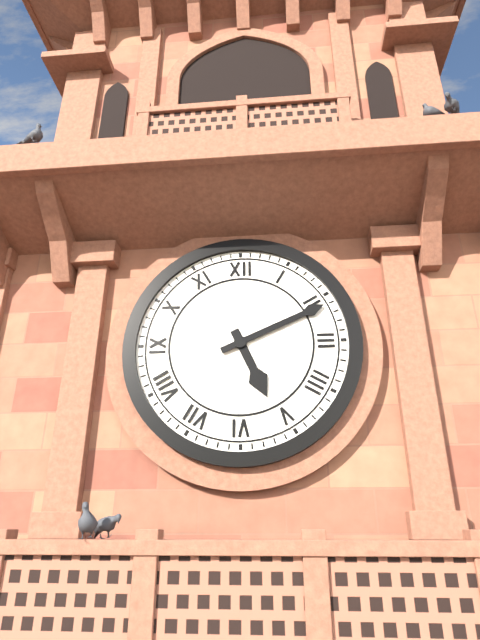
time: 5:11
